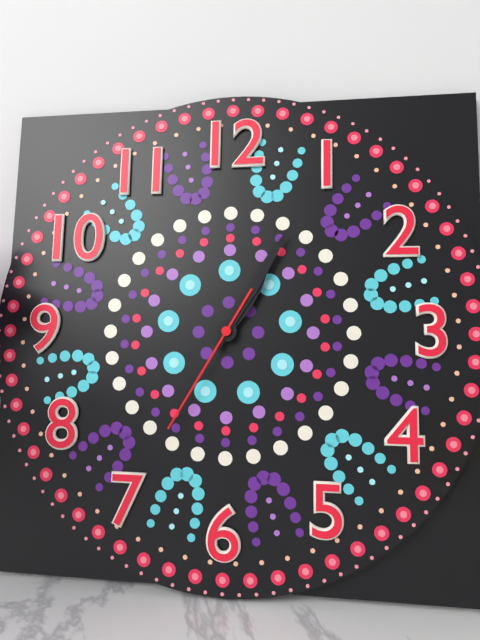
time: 1:05:35
